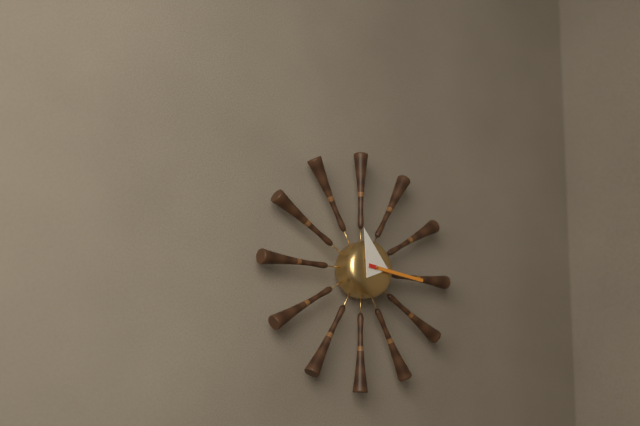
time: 11:16
